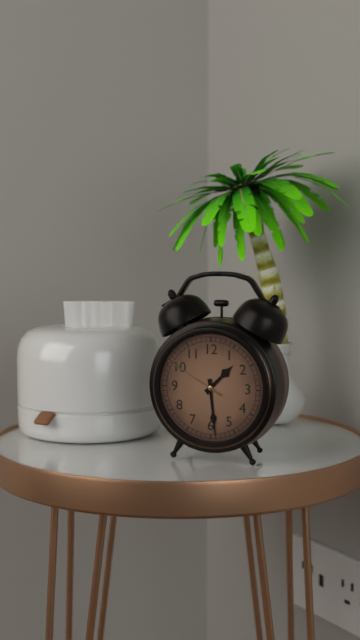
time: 1:29:50
